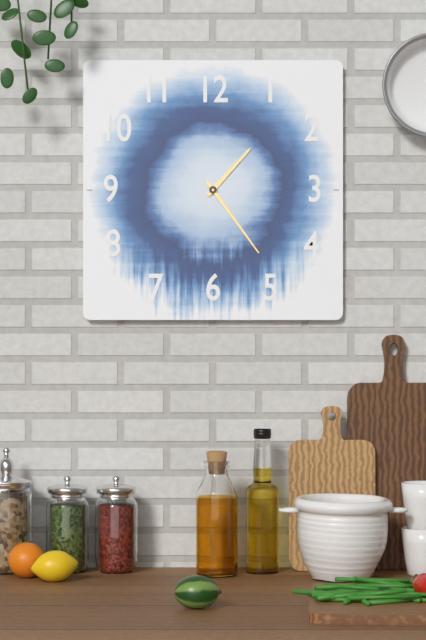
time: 1:24
